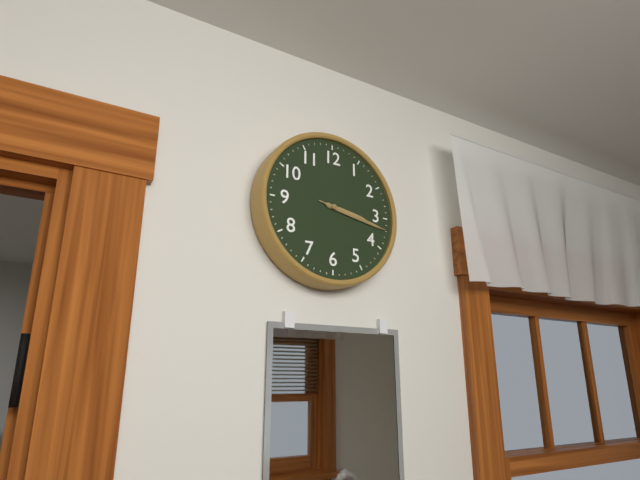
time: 3:17:17
